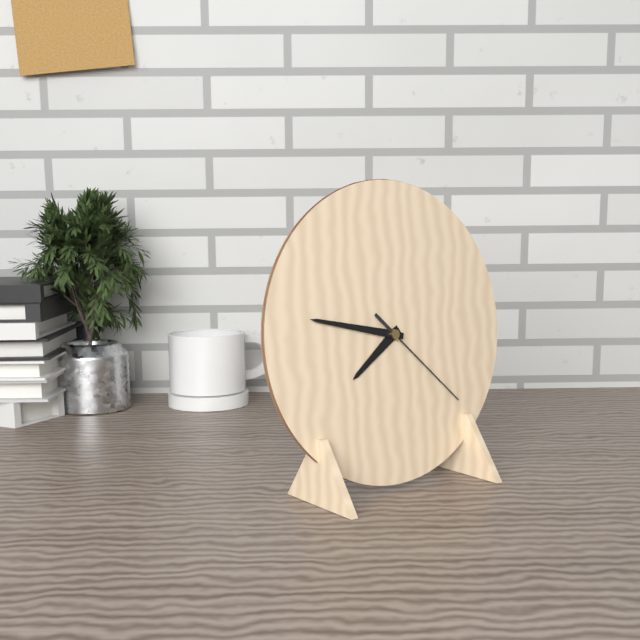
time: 7:47:22
